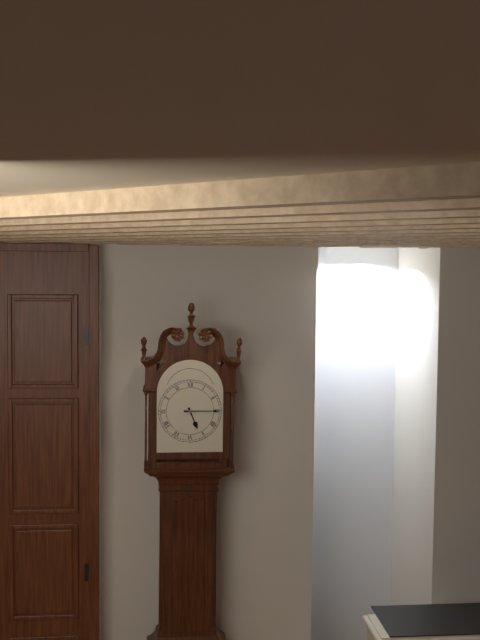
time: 5:15
